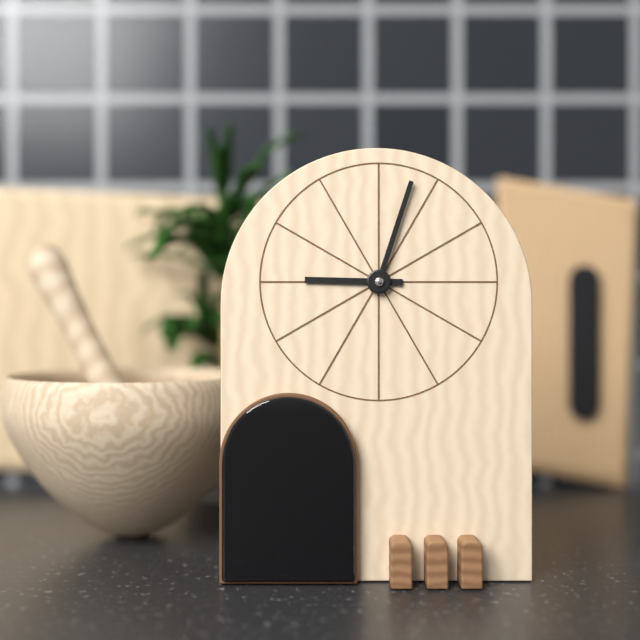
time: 9:03
